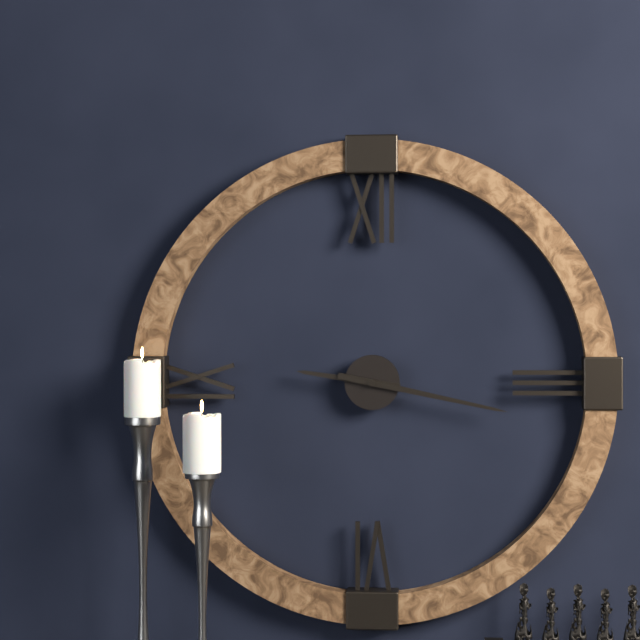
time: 9:17
